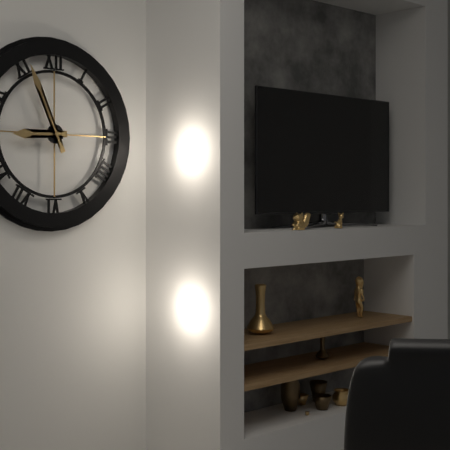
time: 8:56
